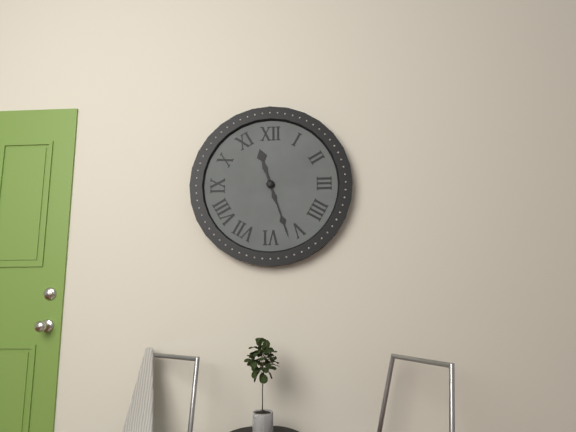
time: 11:27
